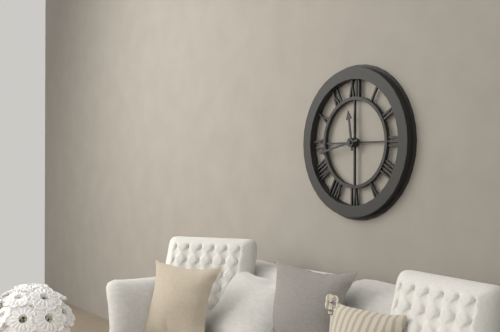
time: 11:43
